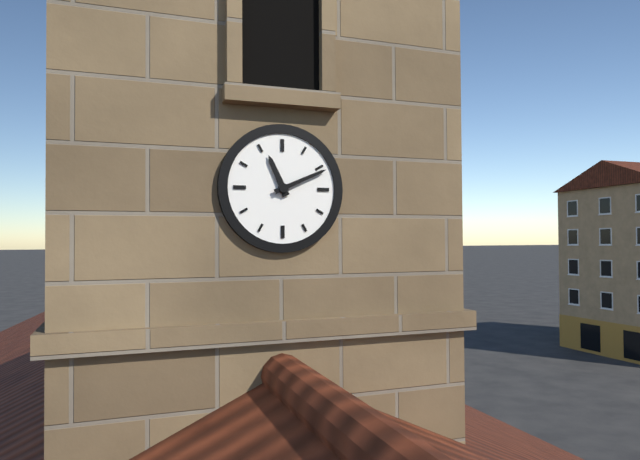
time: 11:11
